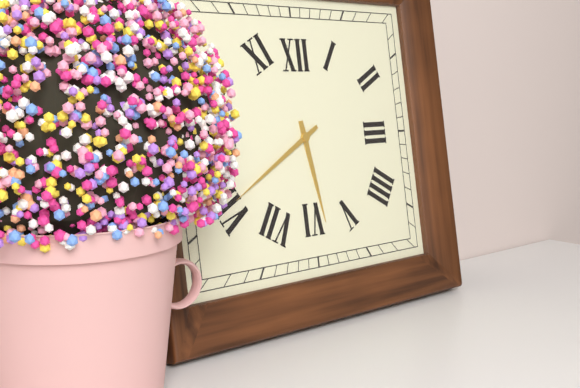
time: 5:40
